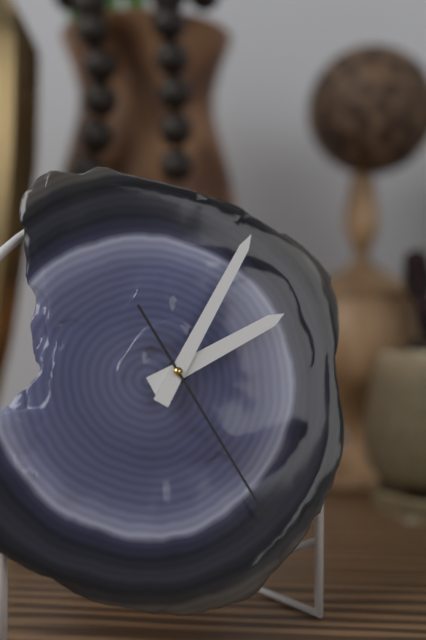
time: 2:05:25
